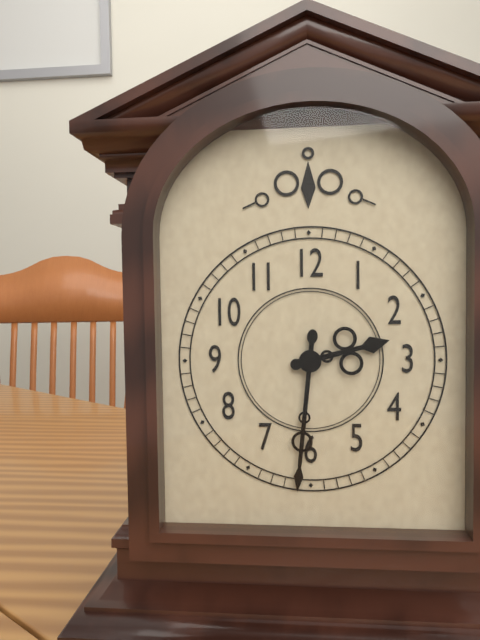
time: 2:31
